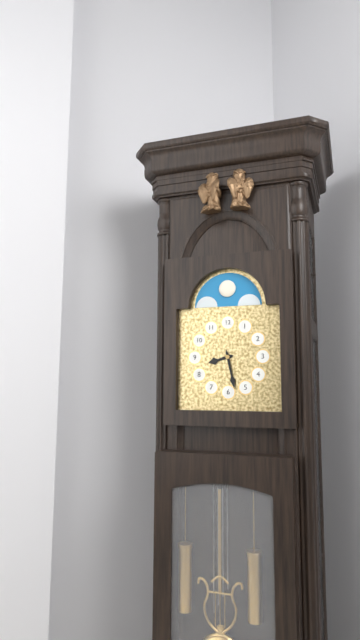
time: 8:28
